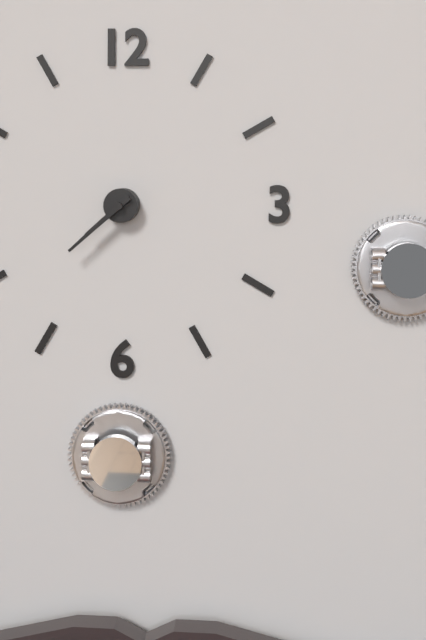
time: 7:38
